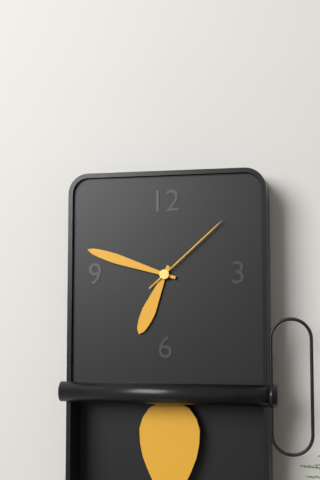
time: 6:48:08
